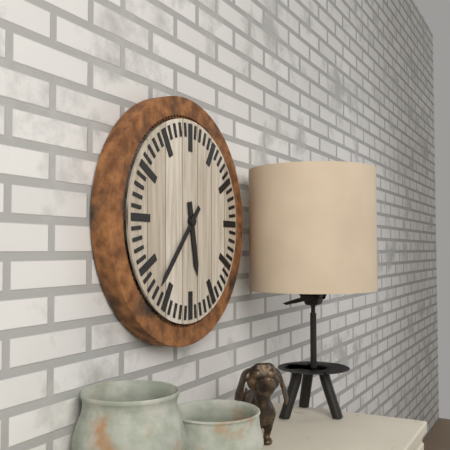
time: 5:37
